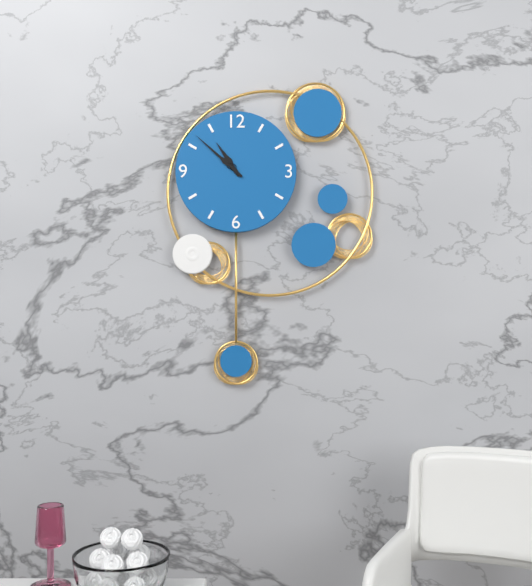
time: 10:52
